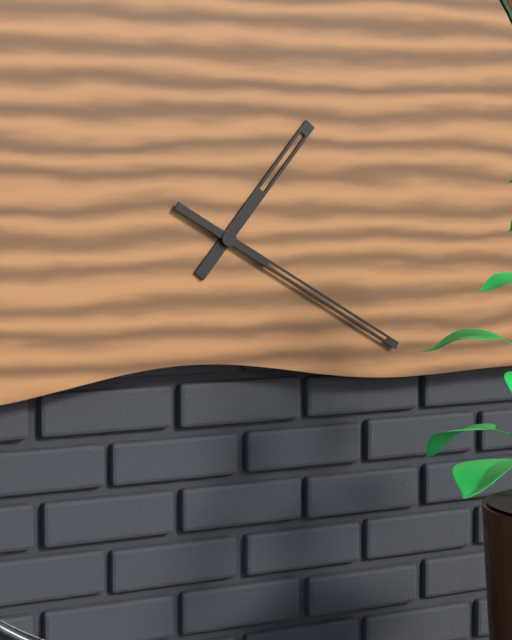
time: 1:20
